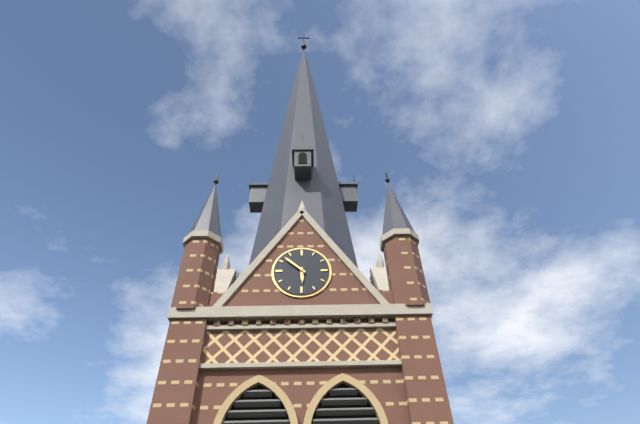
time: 5:52
